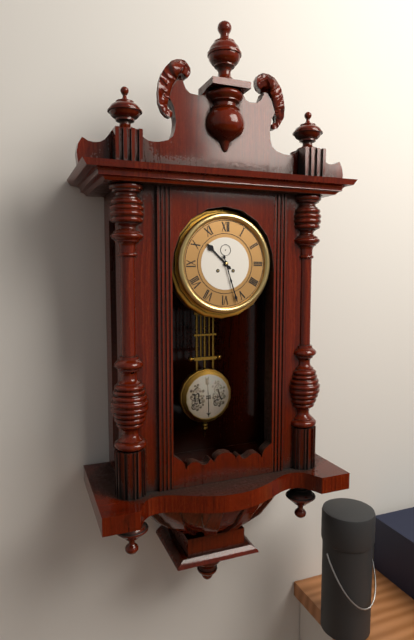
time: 10:27
